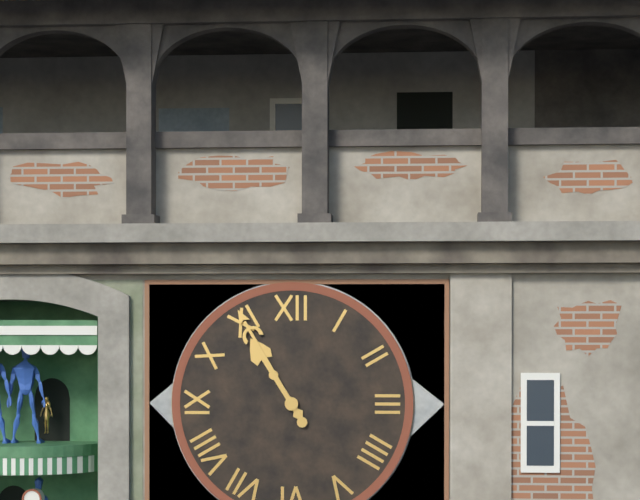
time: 10:55
